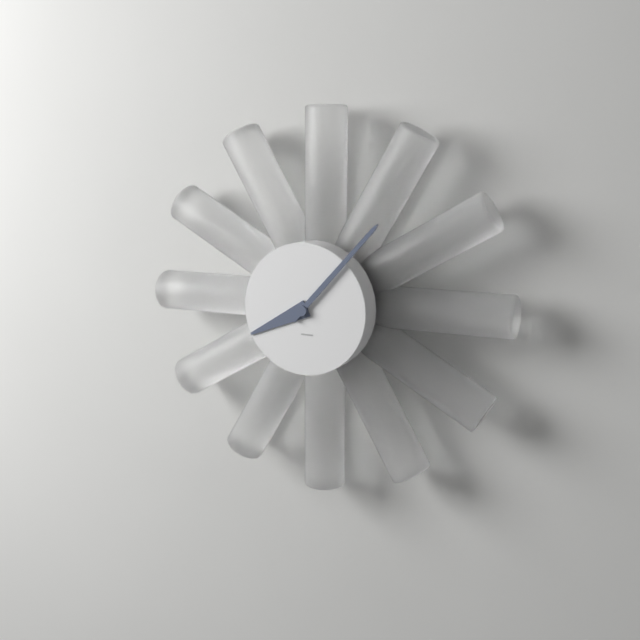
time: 8:07
